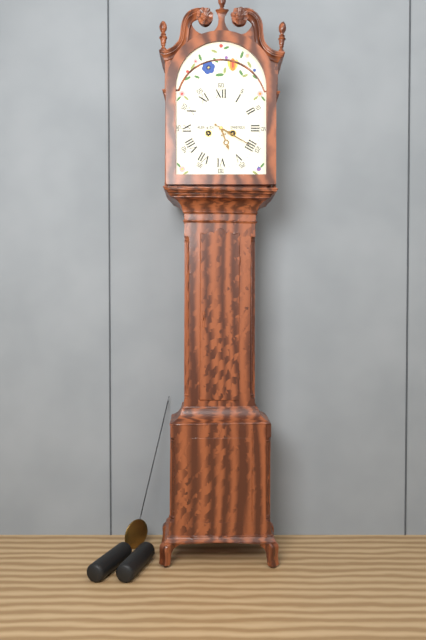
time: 5:20
